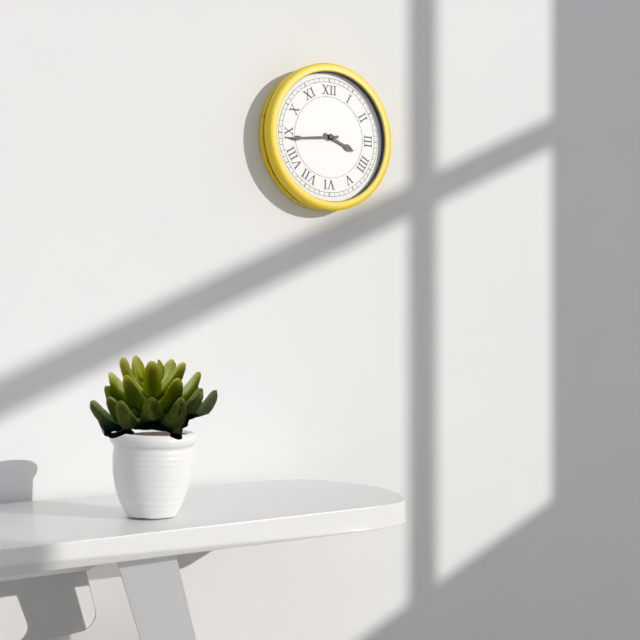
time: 3:44
